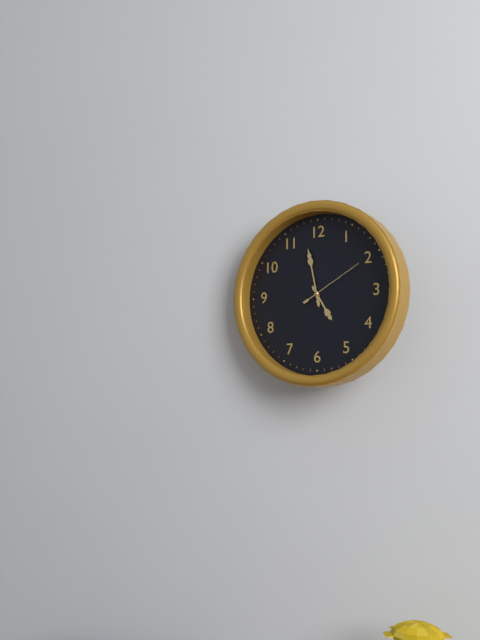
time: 4:58:10
